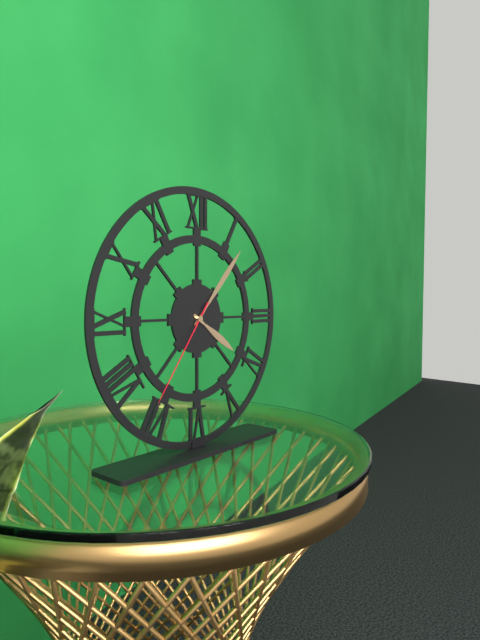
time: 4:07:36
